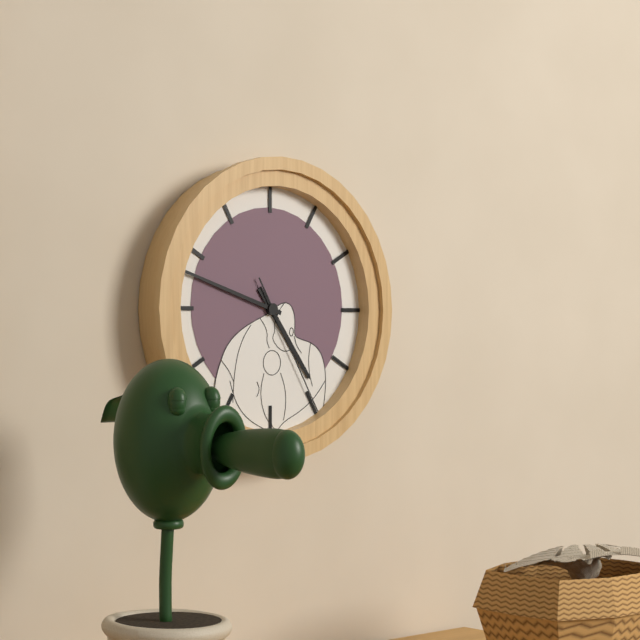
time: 4:48:25
